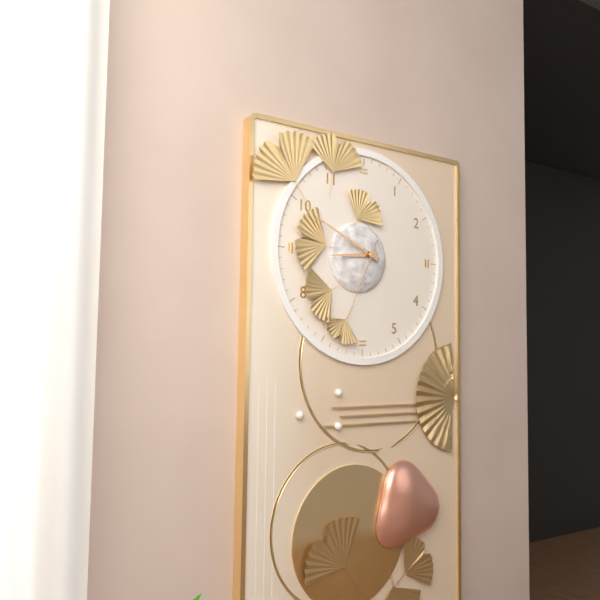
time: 8:49:34
